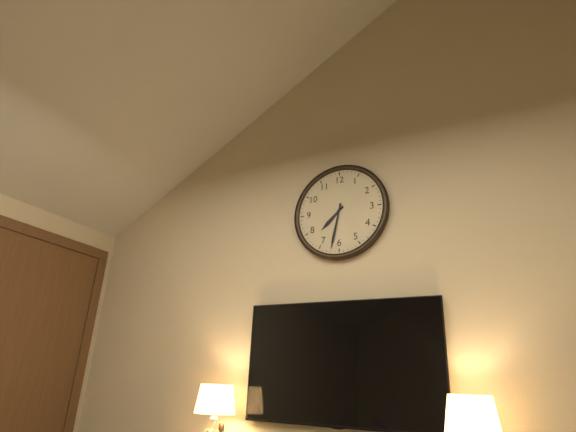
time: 7:32
